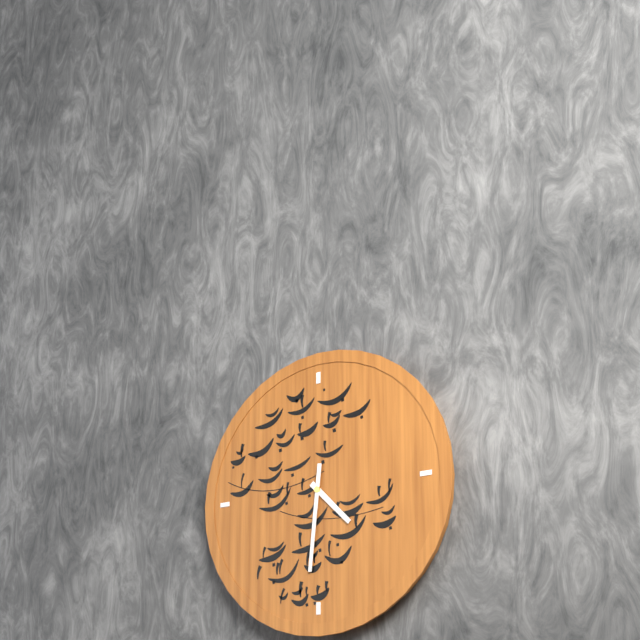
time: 4:31
